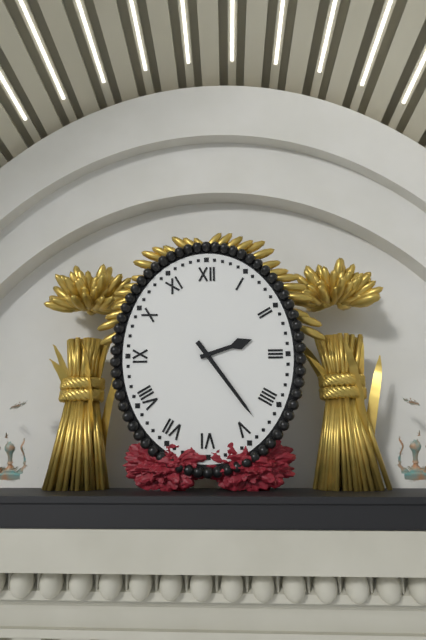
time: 2:24
